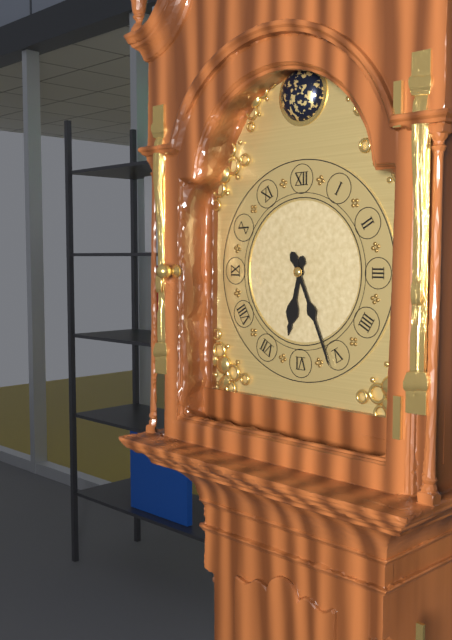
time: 6:26
